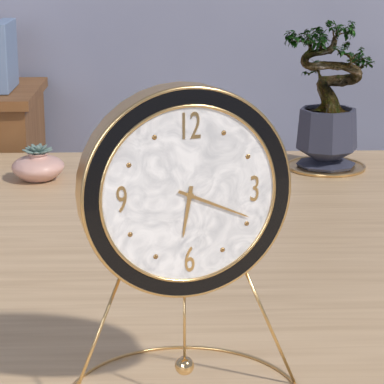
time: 6:19
